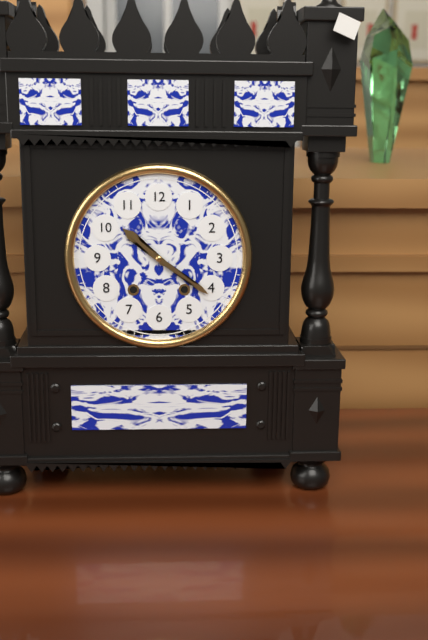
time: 10:21
